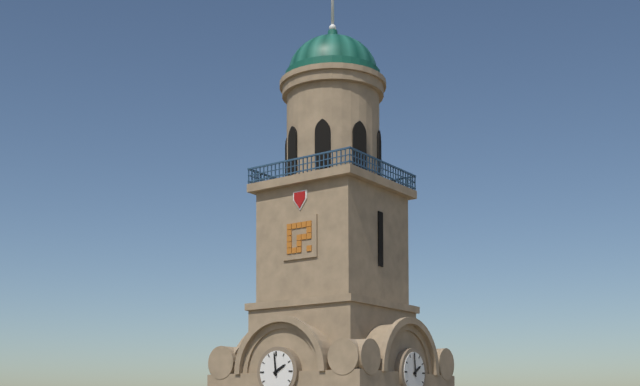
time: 1:59
